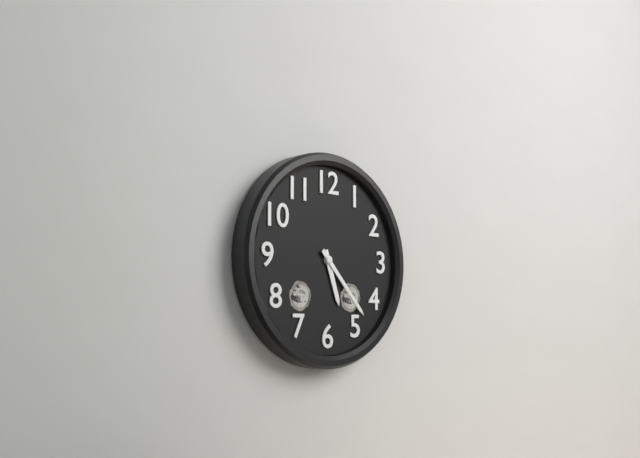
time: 5:23
